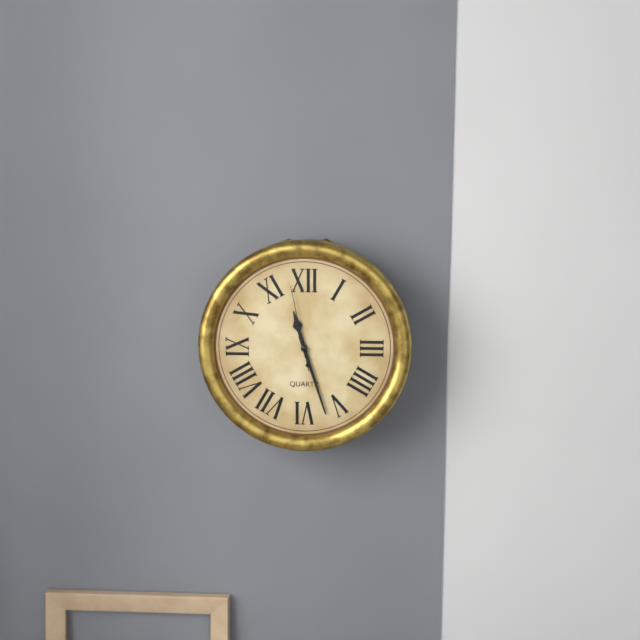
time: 11:27:58
